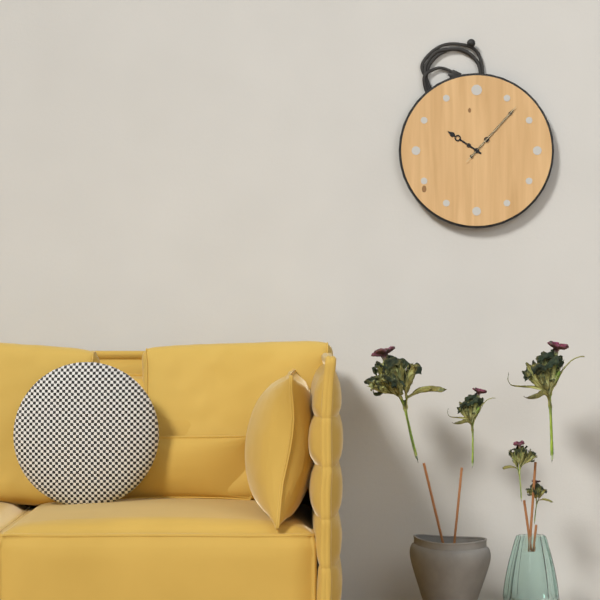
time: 10:07:07
